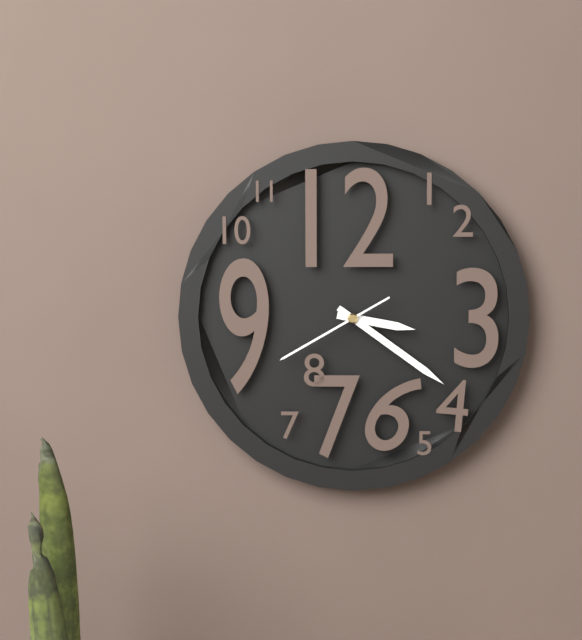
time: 3:21:40
